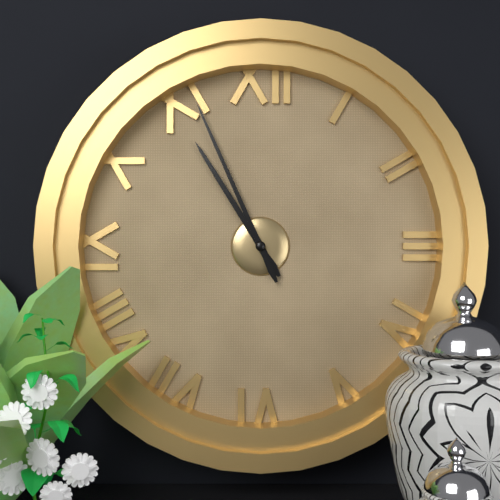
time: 10:56
